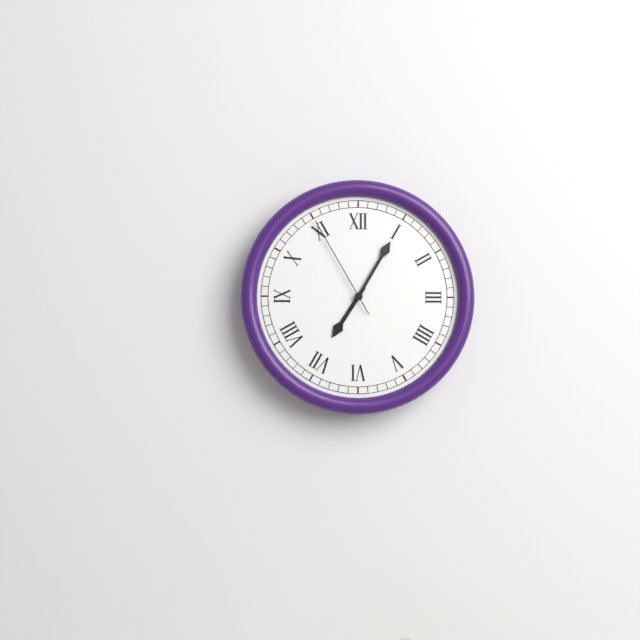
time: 7:05:55
